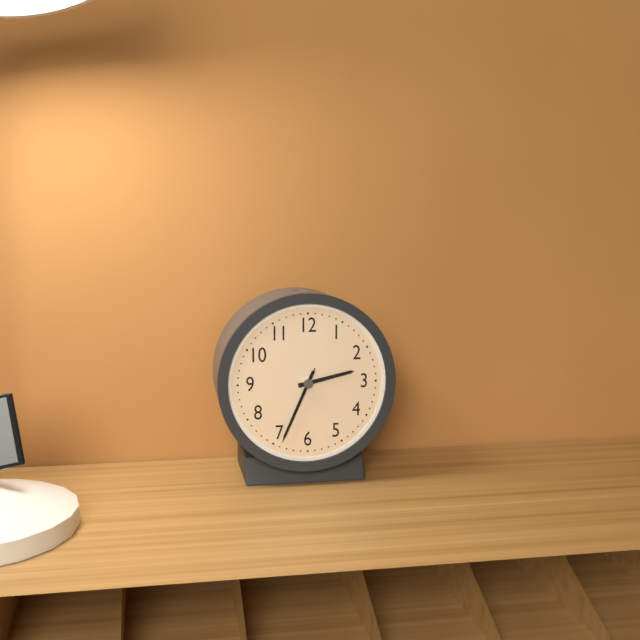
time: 2:34:34
